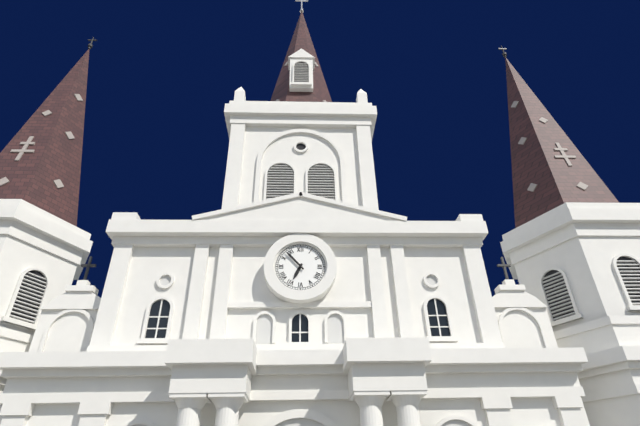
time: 6:53
